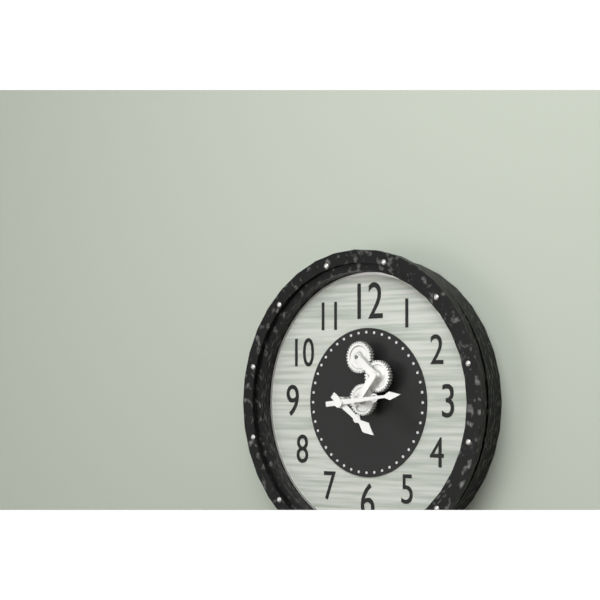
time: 4:14
